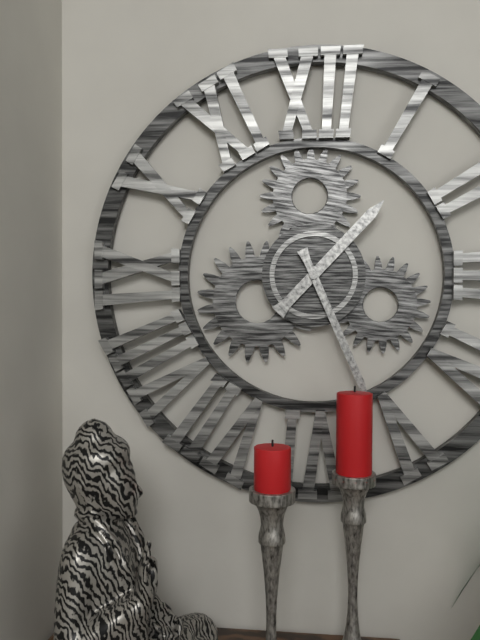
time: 1:26
